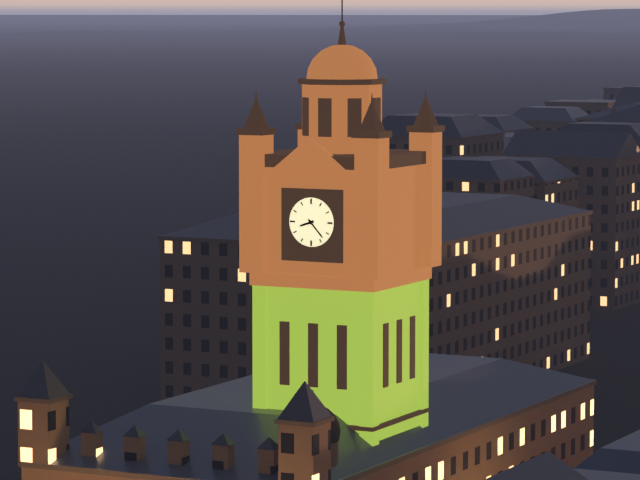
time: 8:23
